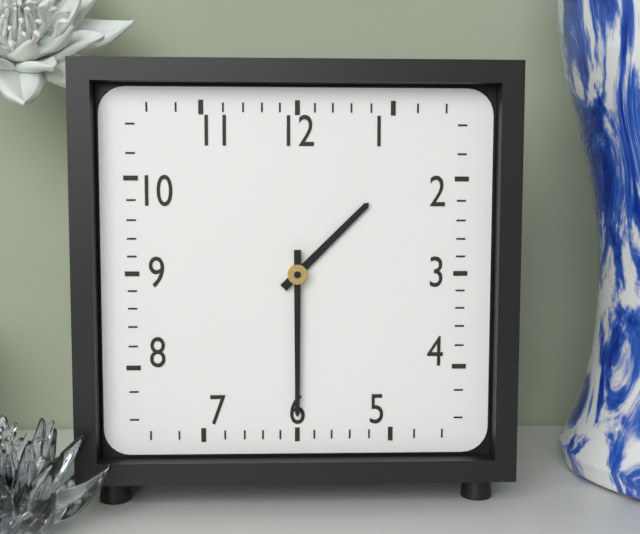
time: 1:30
